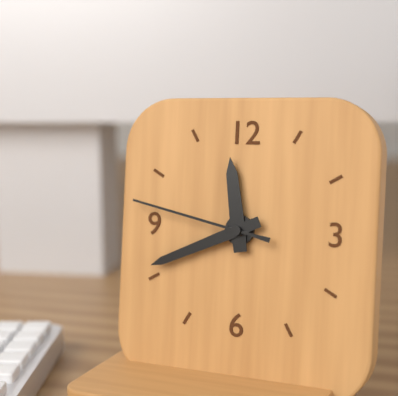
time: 11:41:47
